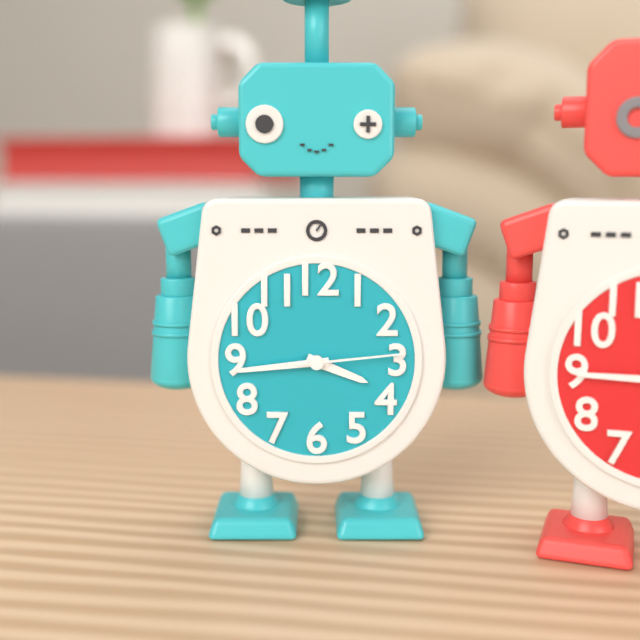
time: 3:44:14
